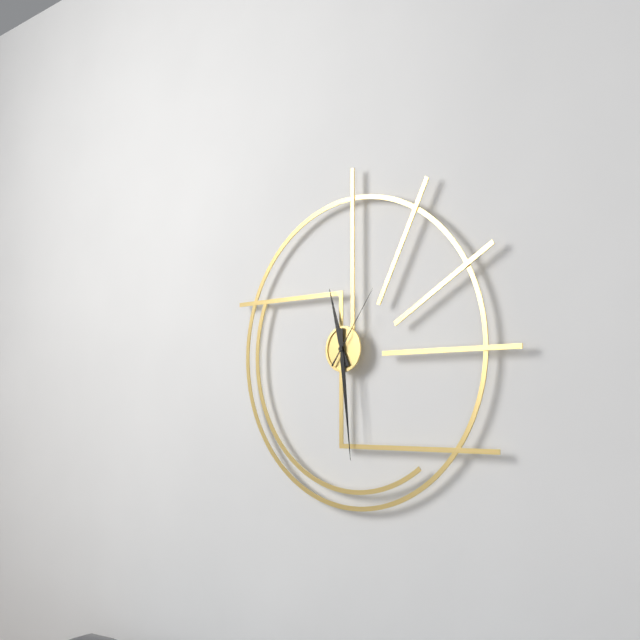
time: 11:29:06
